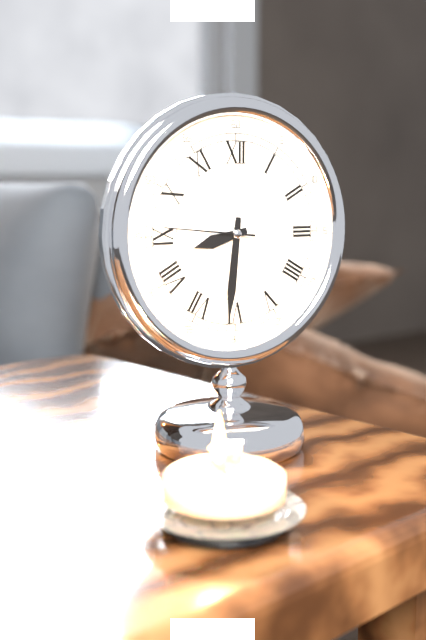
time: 8:31:46
